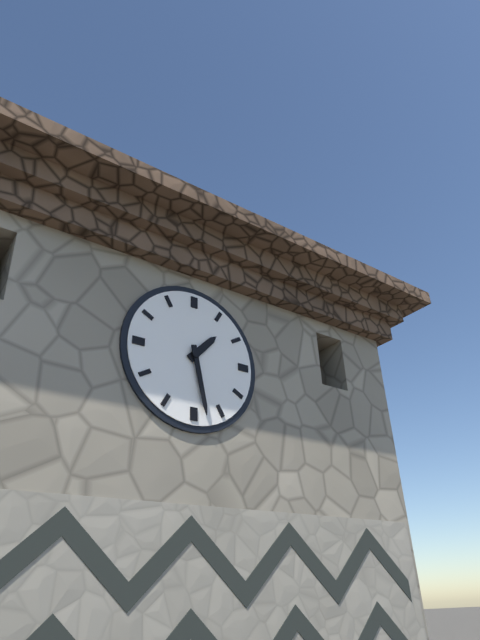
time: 1:28
